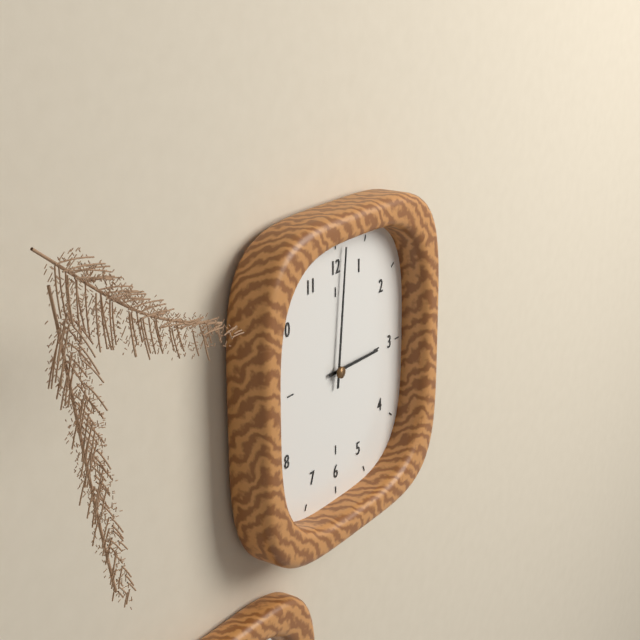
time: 3:01
